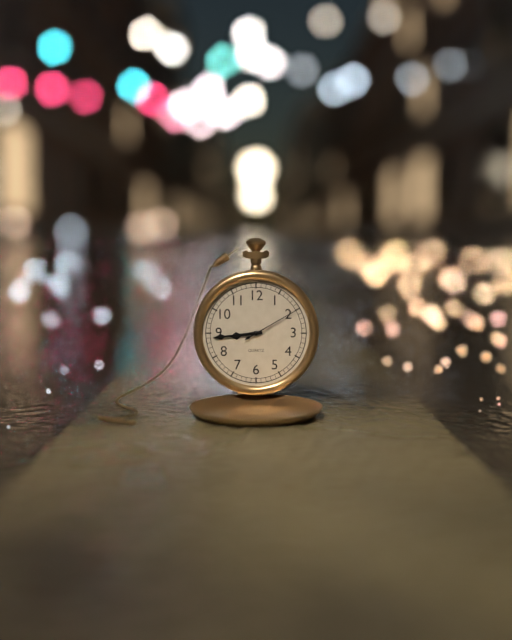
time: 8:44:10
